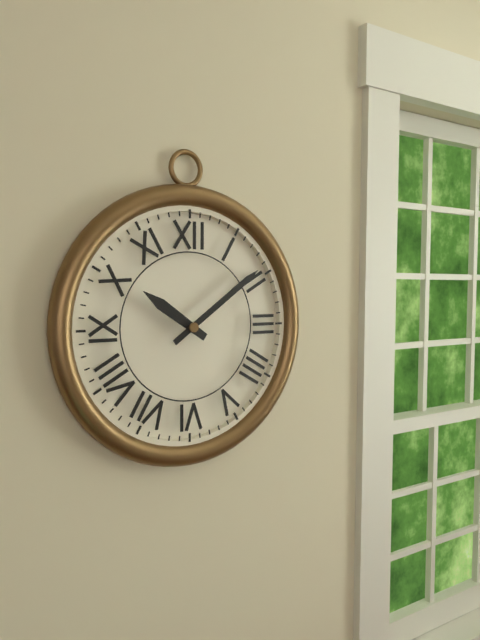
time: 10:09
